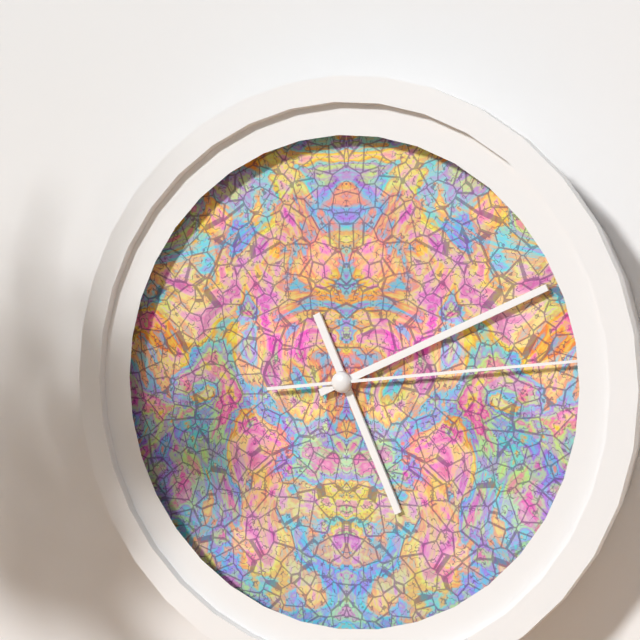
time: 5:11:14
